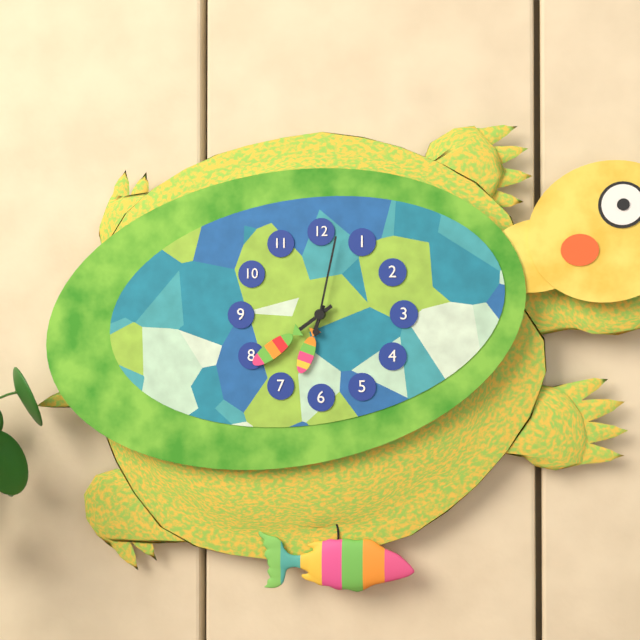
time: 6:39:02
